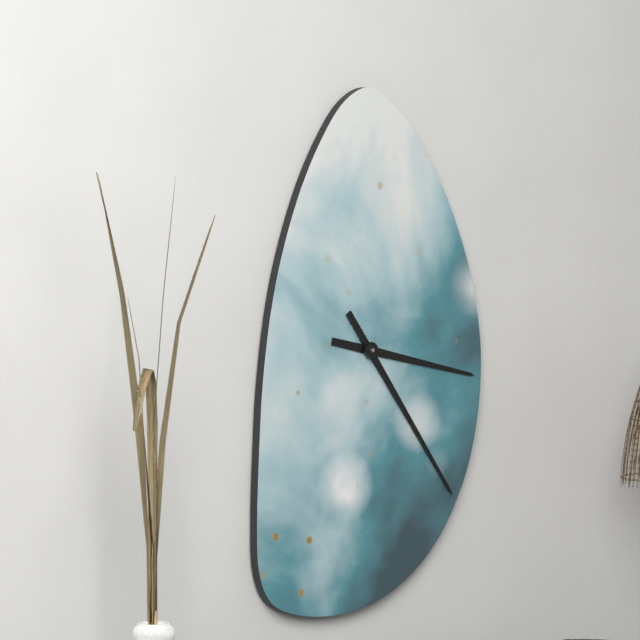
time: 3:24
